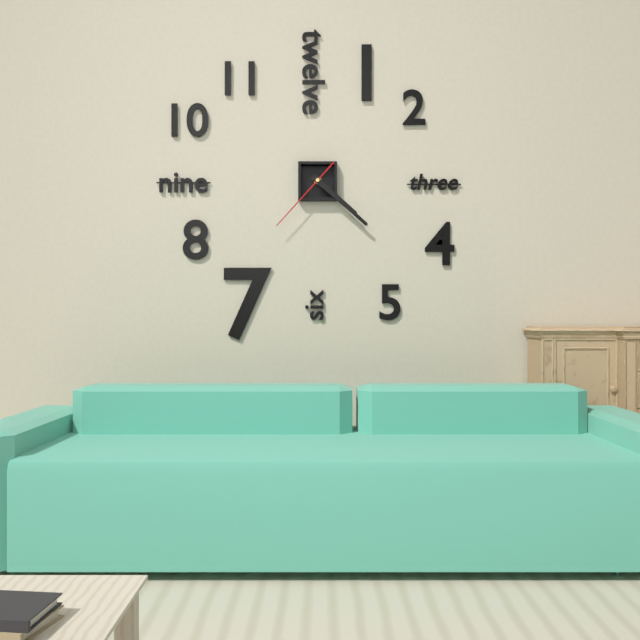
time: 4:22:37
